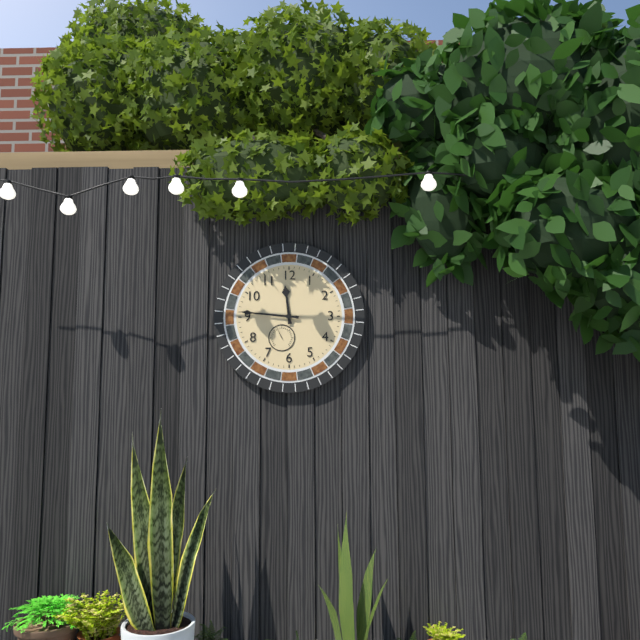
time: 11:46
